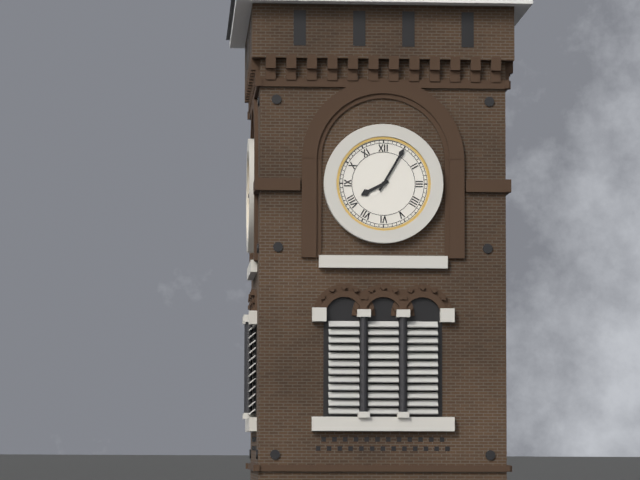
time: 8:05
